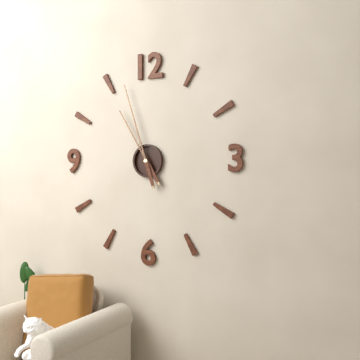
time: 10:57
